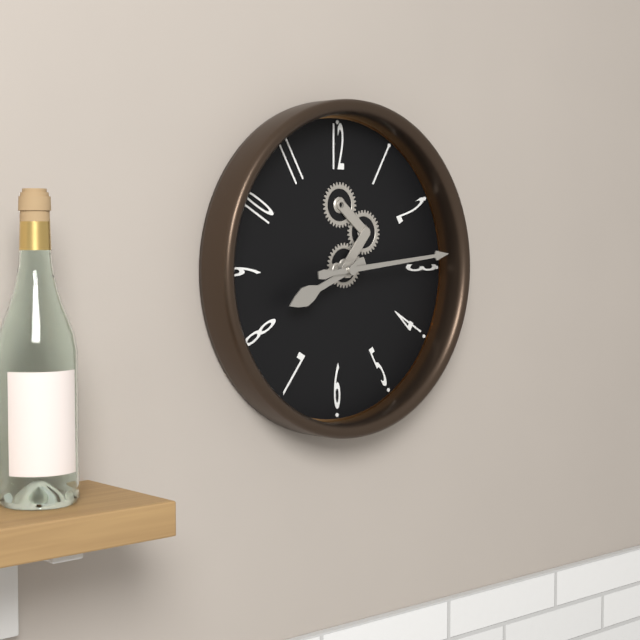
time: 8:14
